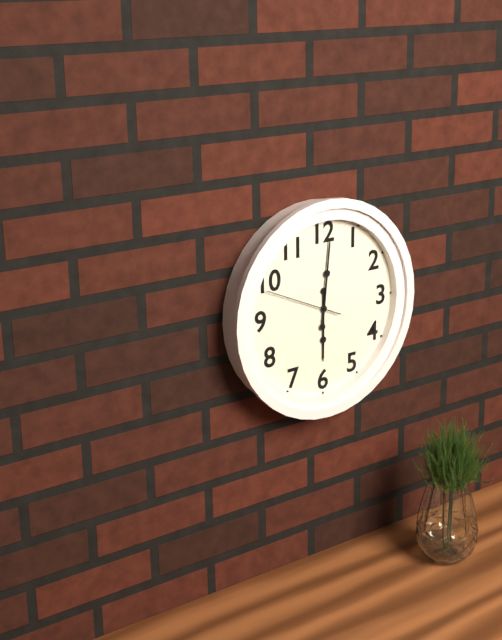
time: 6:01:49
